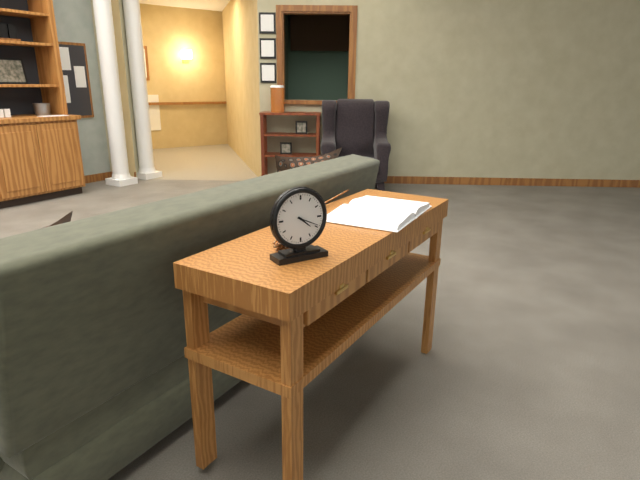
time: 4:19
